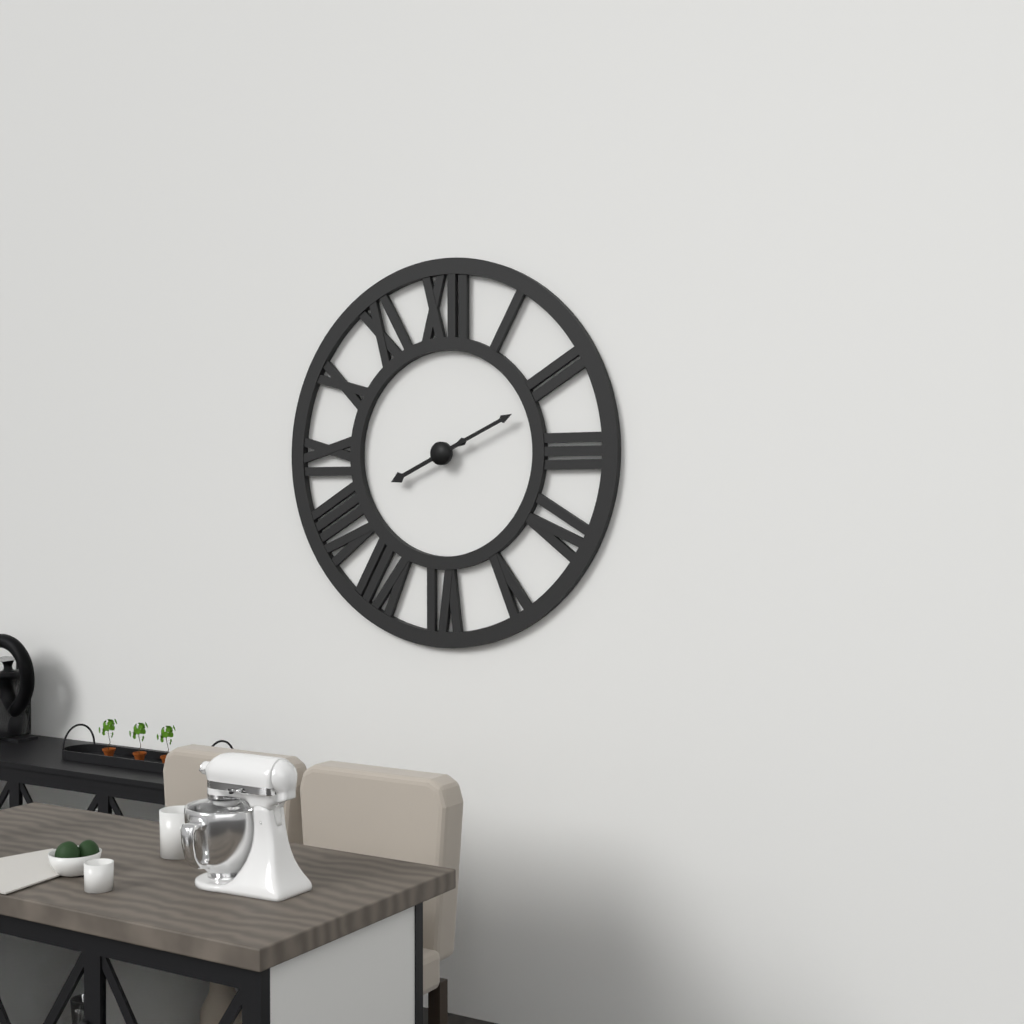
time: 8:11
